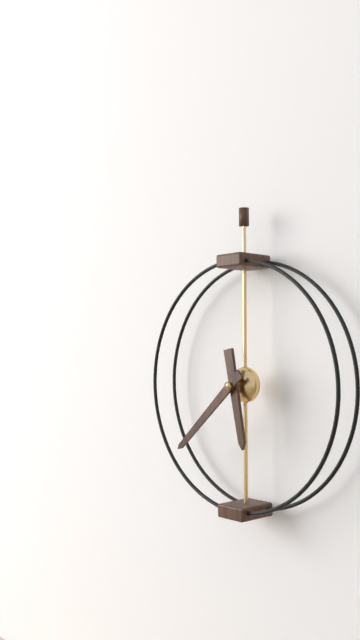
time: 5:38
